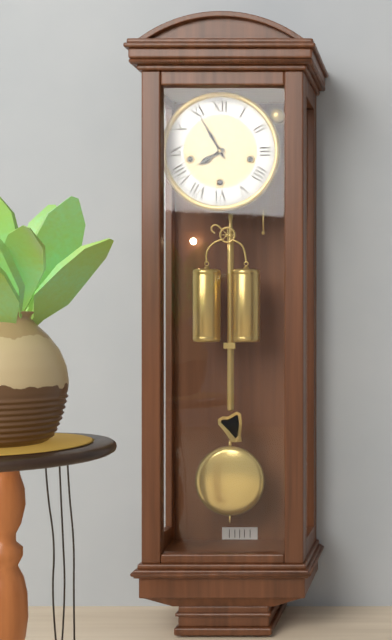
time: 7:55
